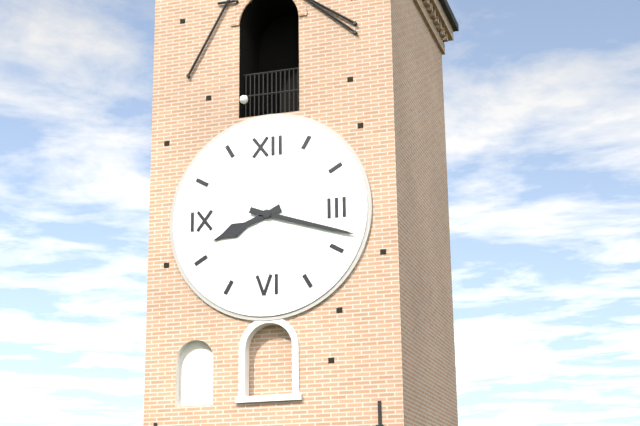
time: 8:18
